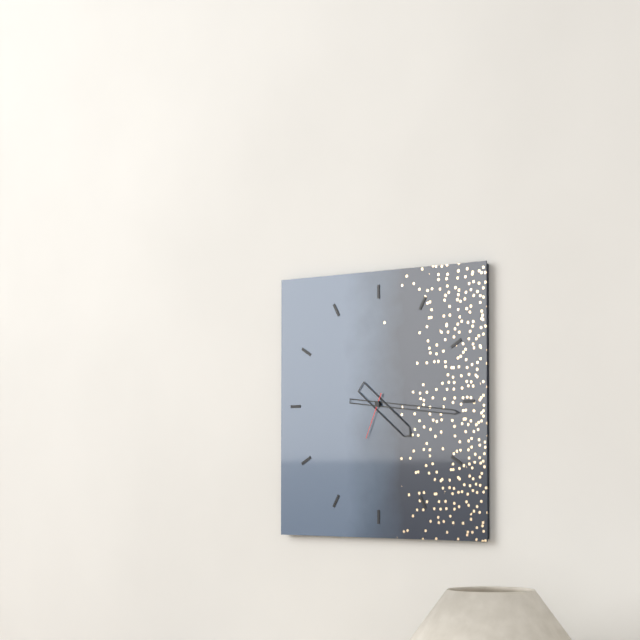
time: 4:16
